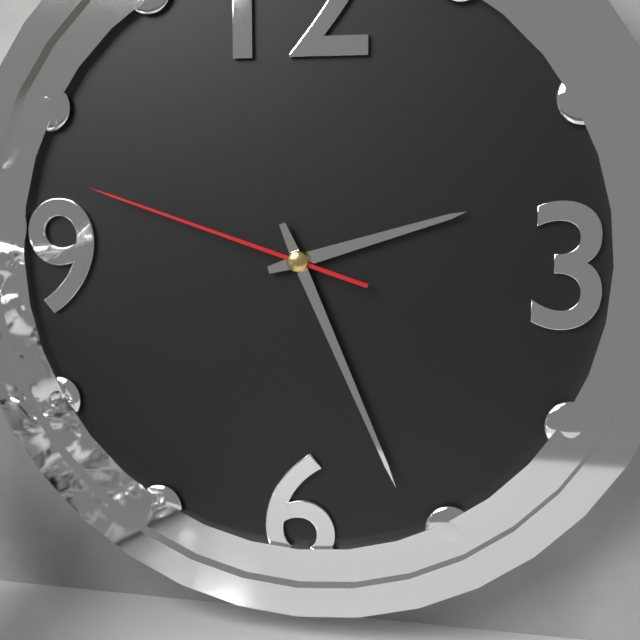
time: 2:26:48
